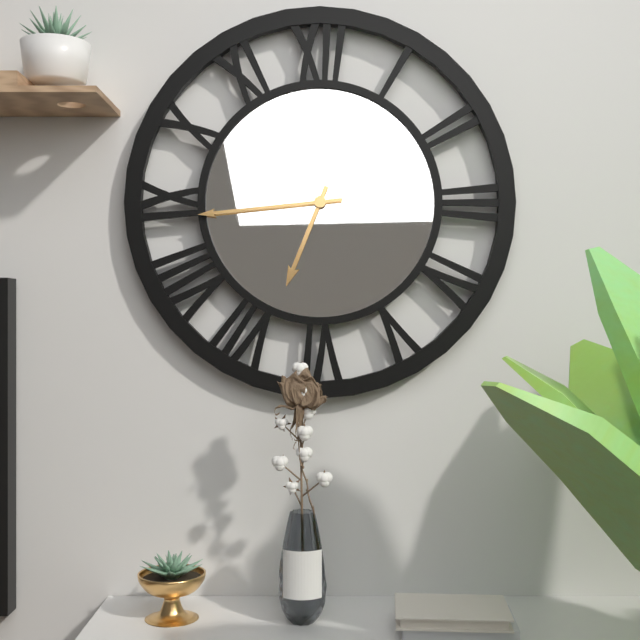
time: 6:44
